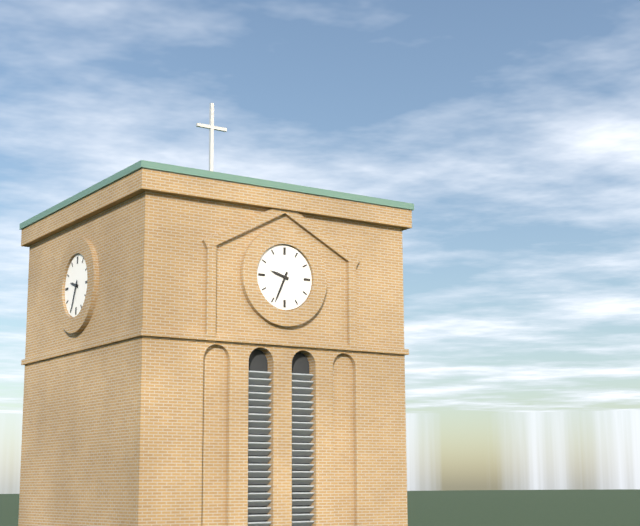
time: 9:34
